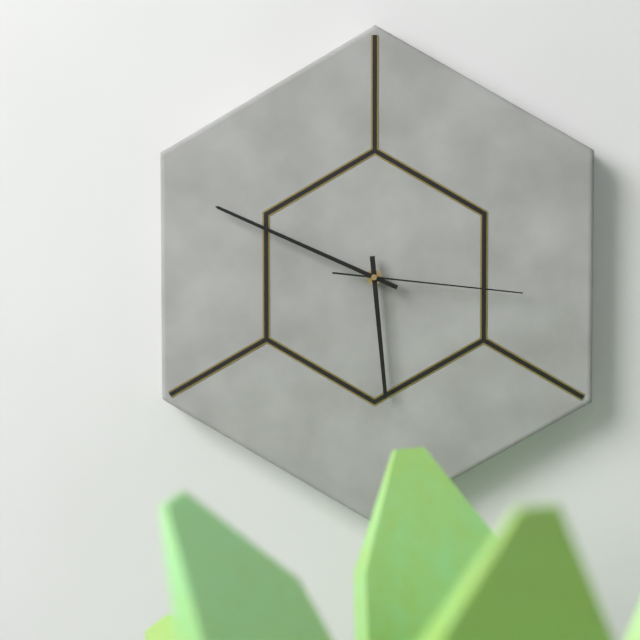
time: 5:49:16
